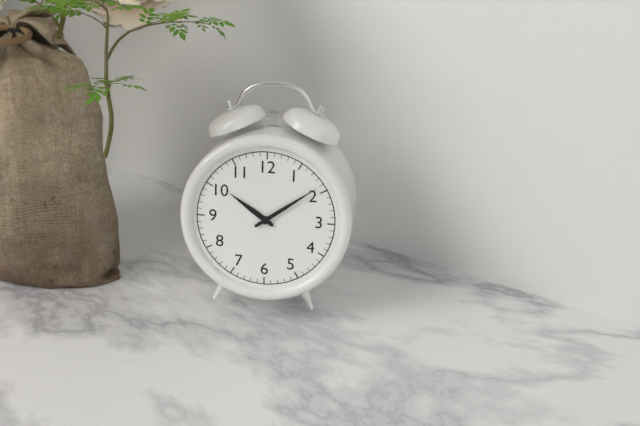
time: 10:09
